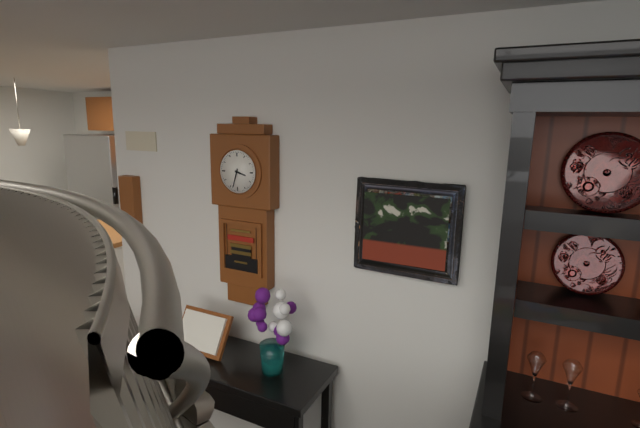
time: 3:33
